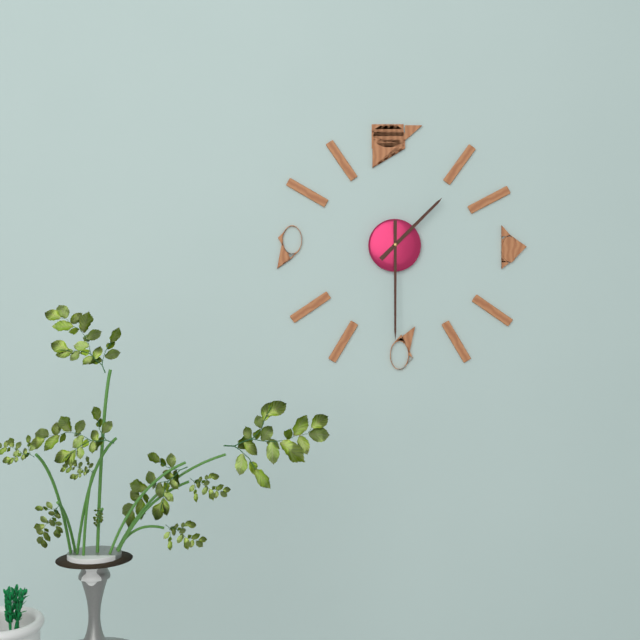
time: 1:30
